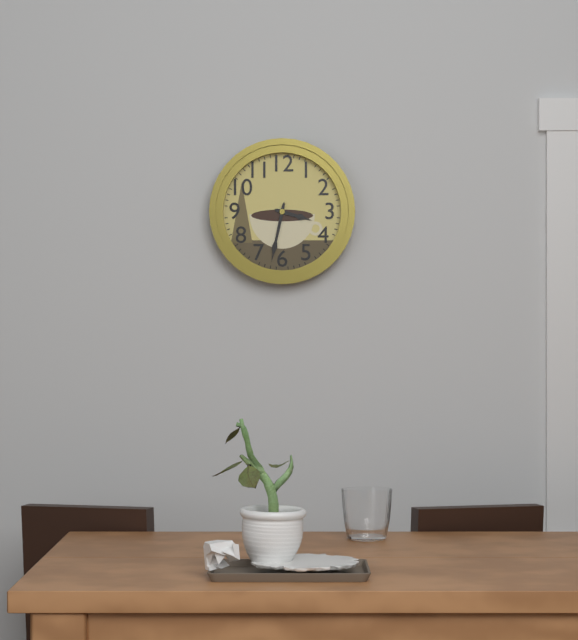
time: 3:32
